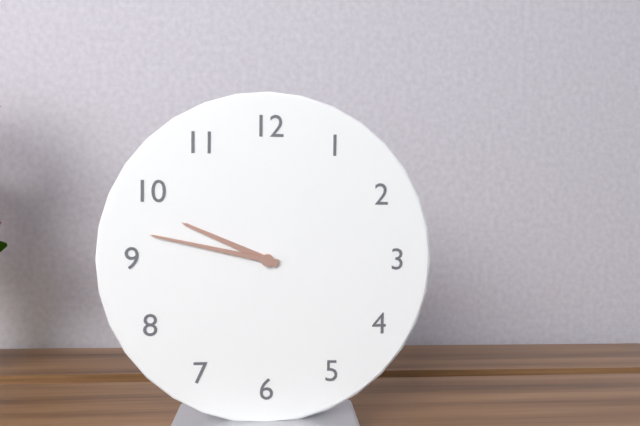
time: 9:47
